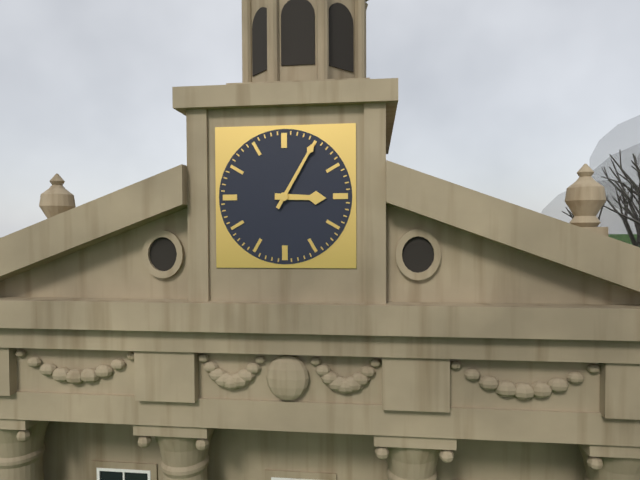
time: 3:05
